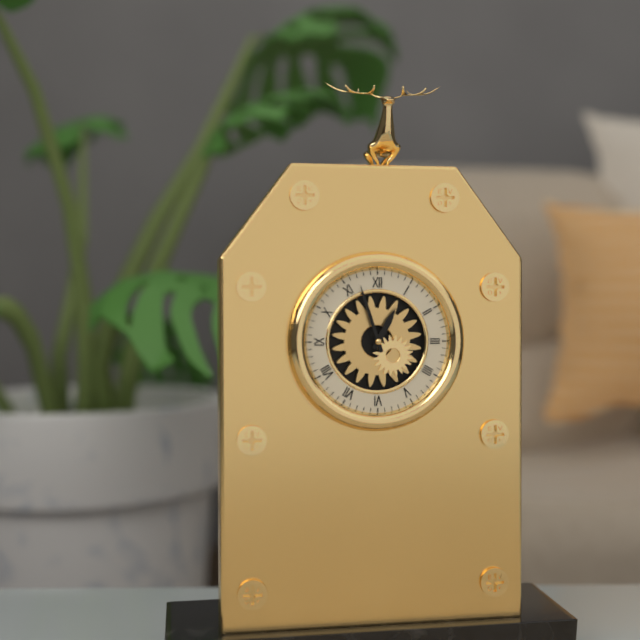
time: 12:57
